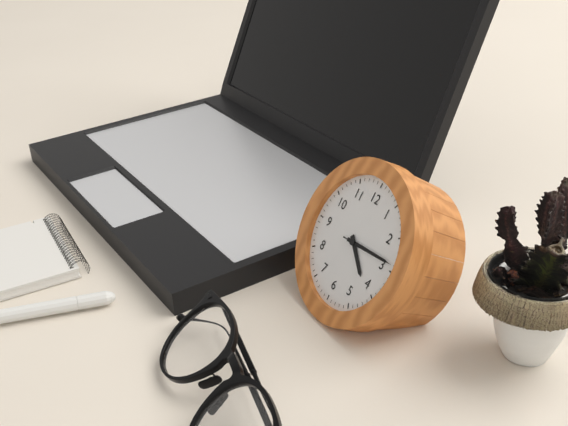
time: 4:14:14
